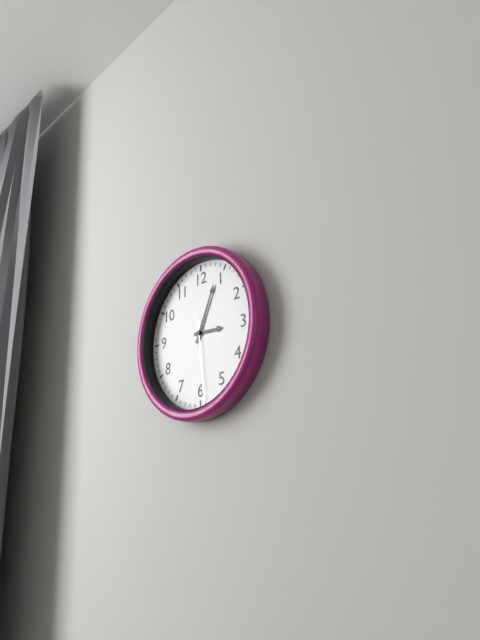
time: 3:04:29
